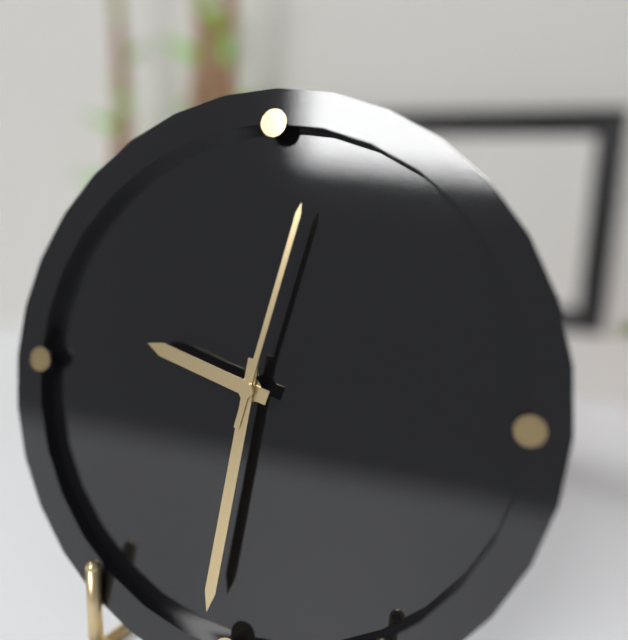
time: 9:31:02
